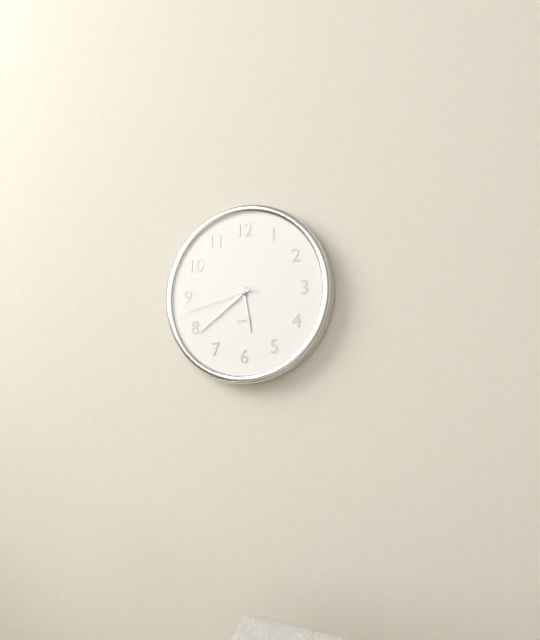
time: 5:39:43
